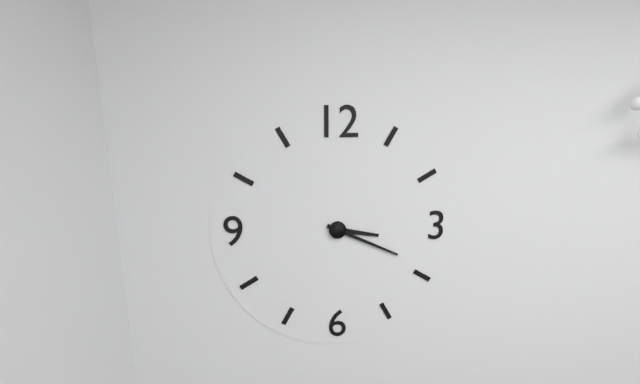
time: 3:19
